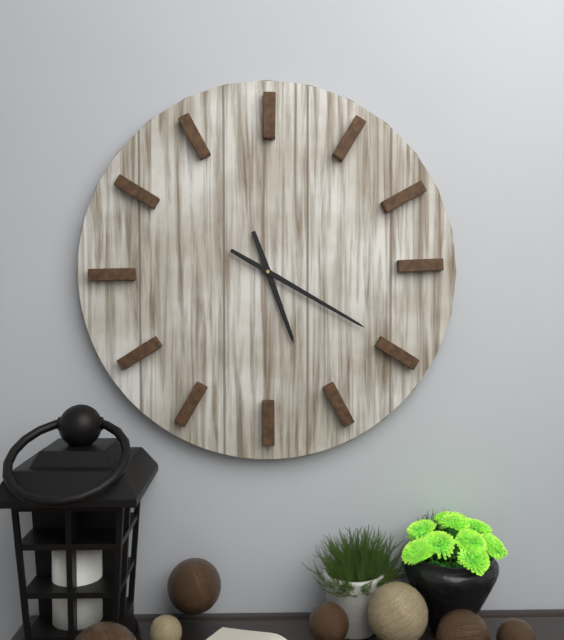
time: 5:20
